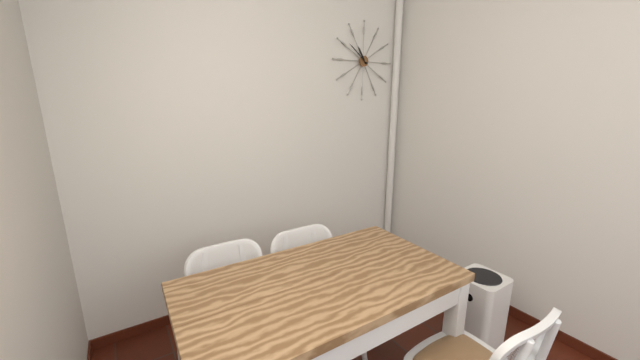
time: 10:51
